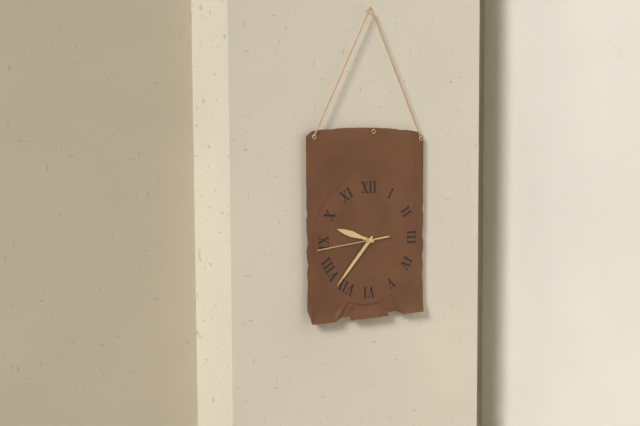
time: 9:37:44
